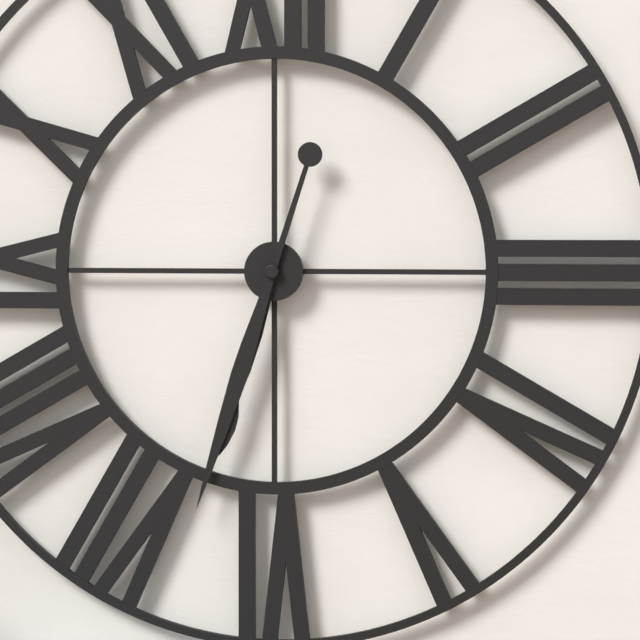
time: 6:33
